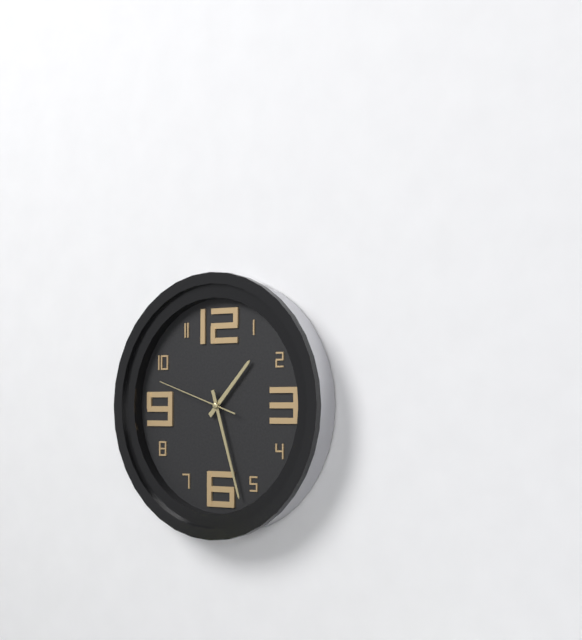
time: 1:27:48
